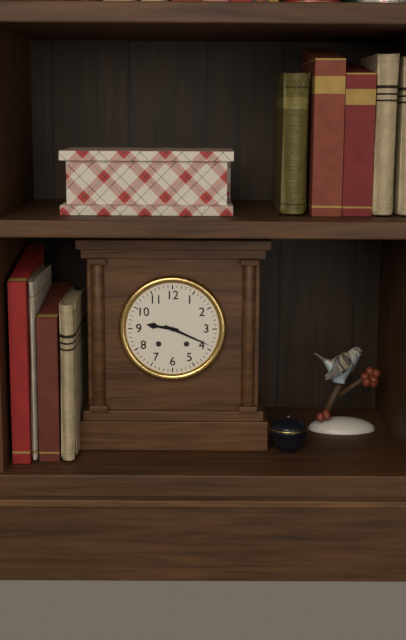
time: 9:19
